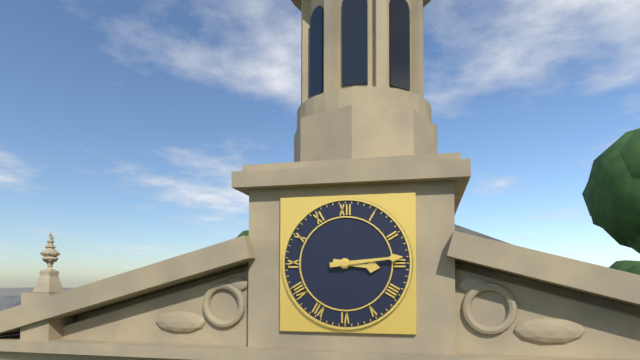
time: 3:14
